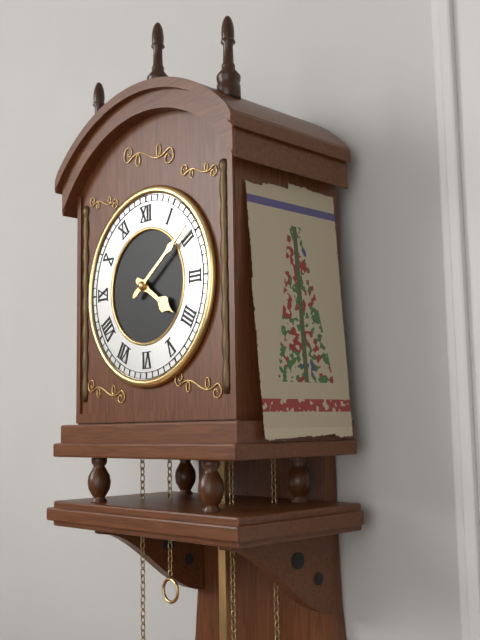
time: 4:09
